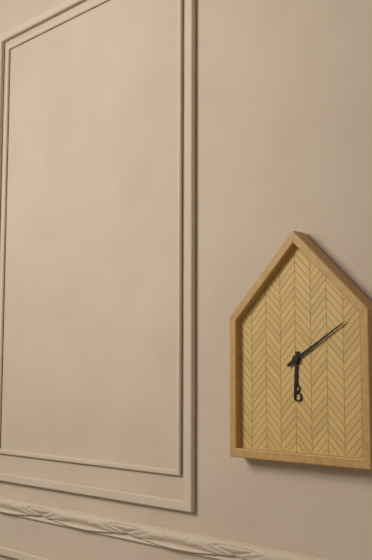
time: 6:10
